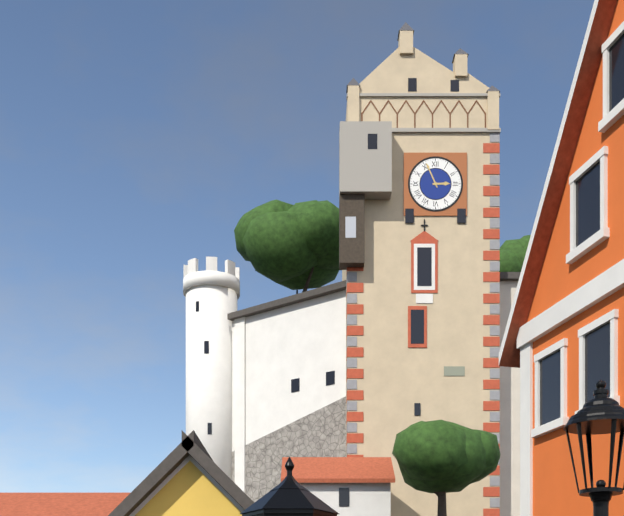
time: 2:56
